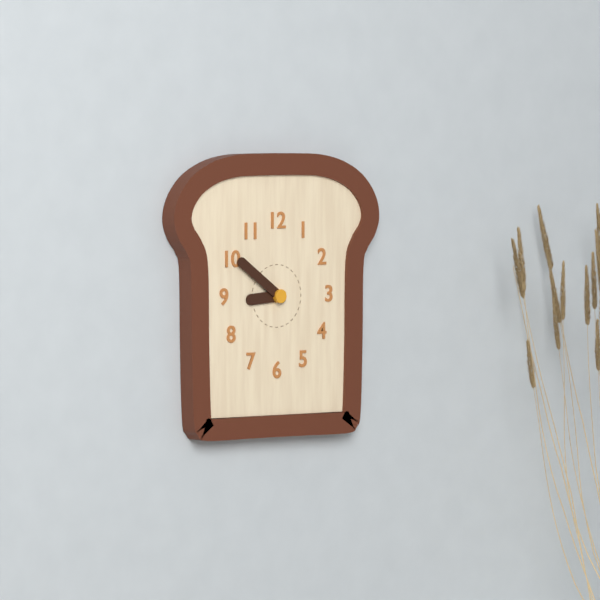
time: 8:51
